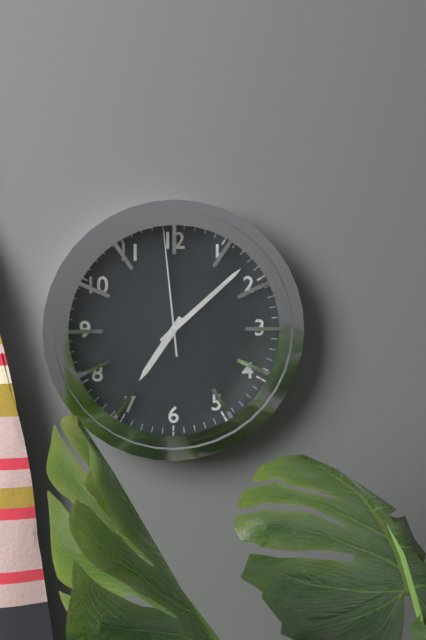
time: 7:08:59
